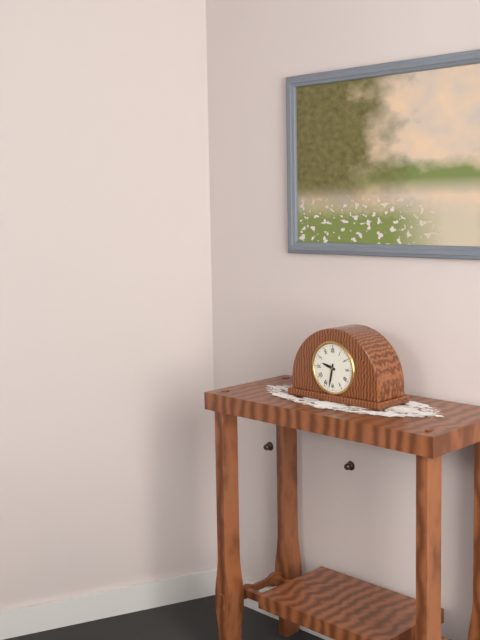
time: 9:32
